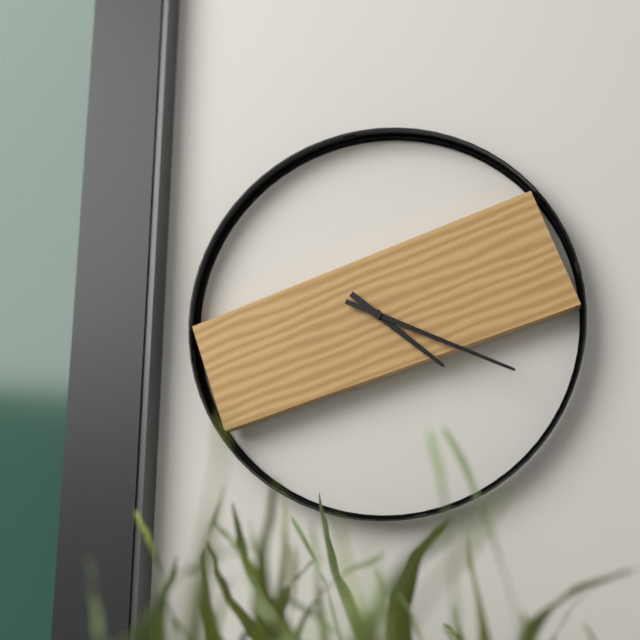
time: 4:19
